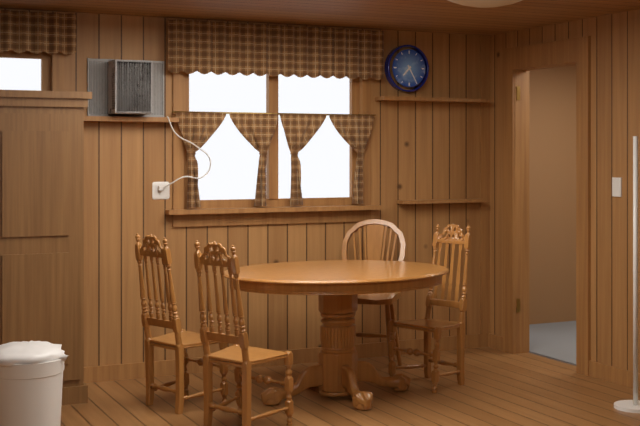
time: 7:25
